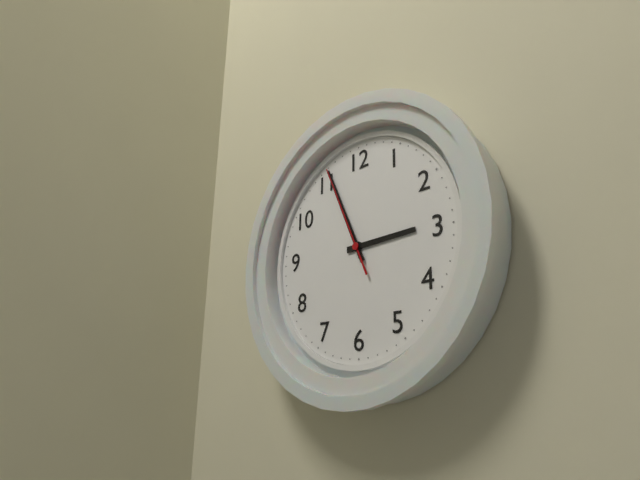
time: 2:56:56
